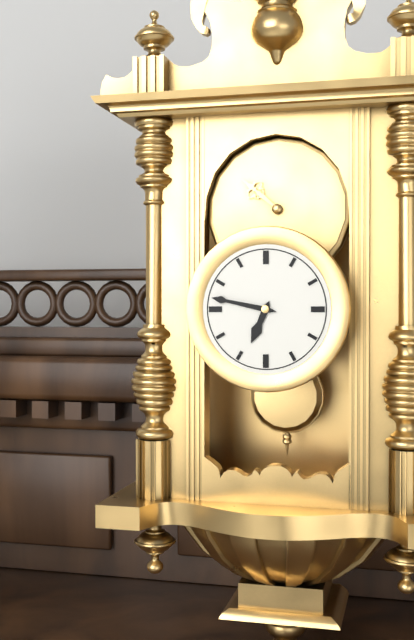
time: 6:47
